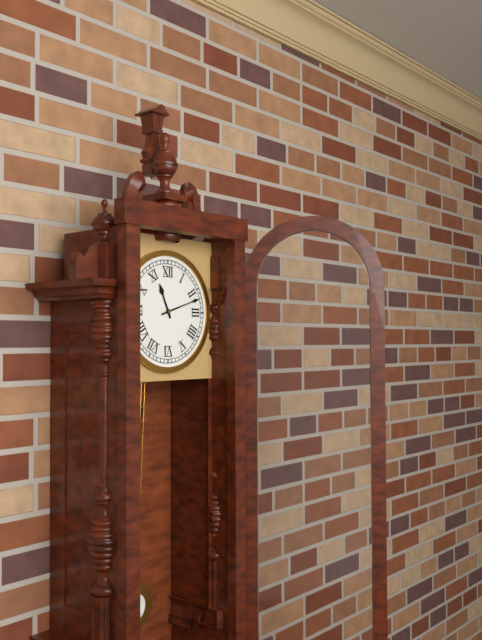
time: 11:12
